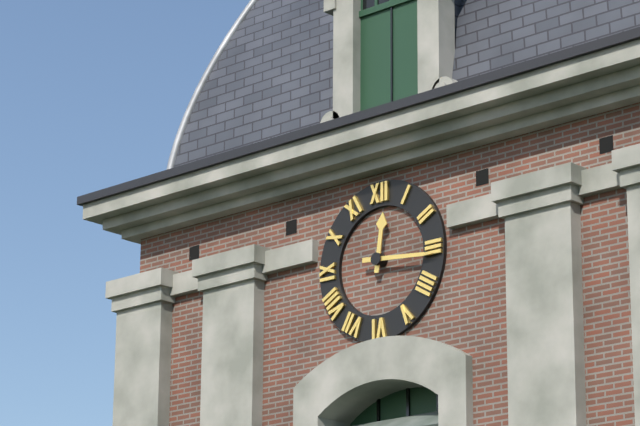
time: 12:16
